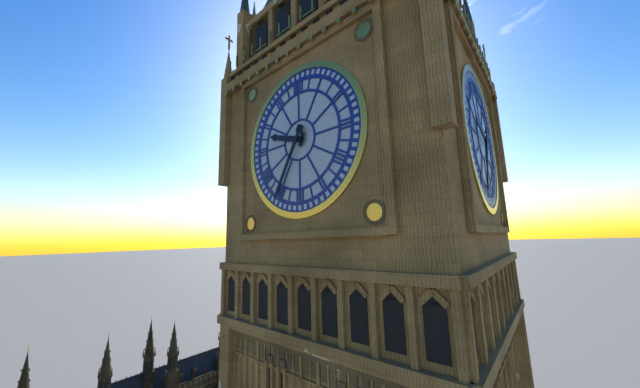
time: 9:35
